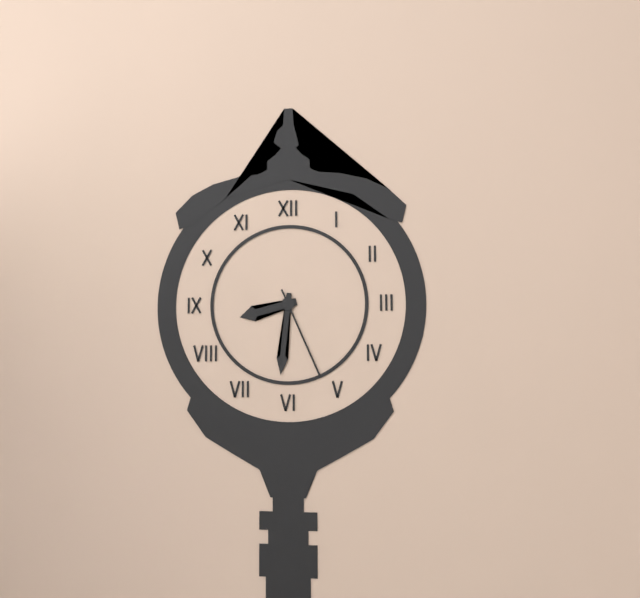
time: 8:31:26
